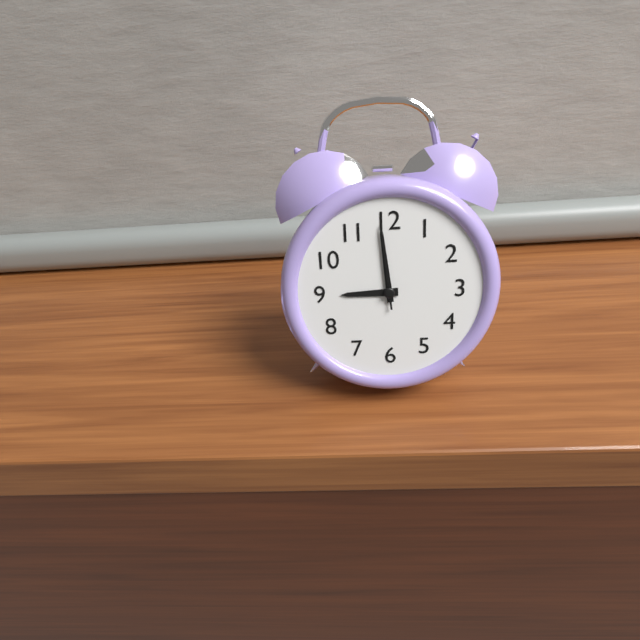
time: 8:59:59
